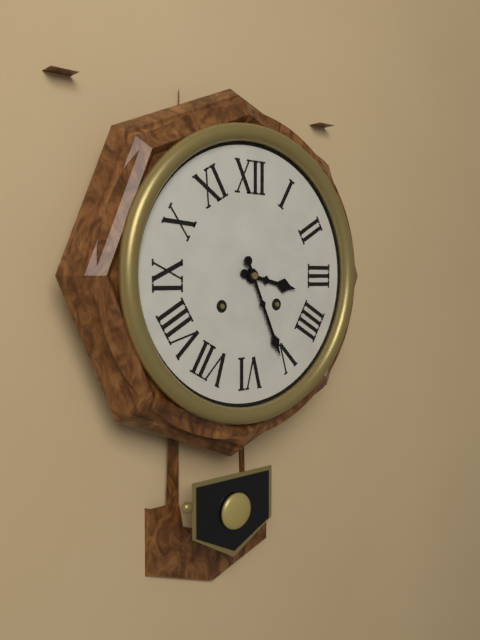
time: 3:26
